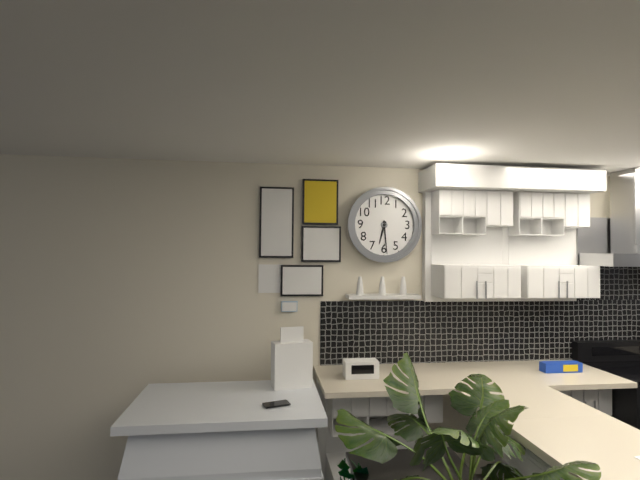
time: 6:29
